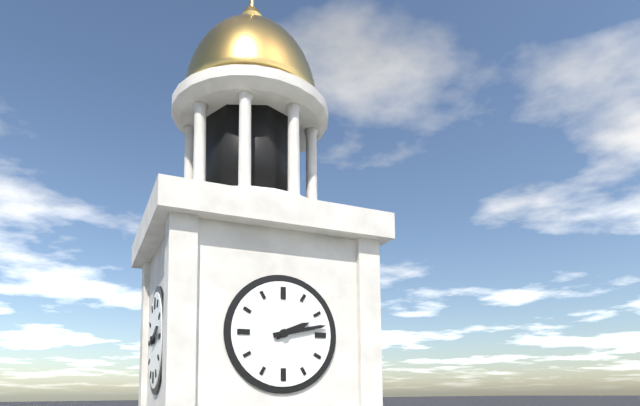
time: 2:13
